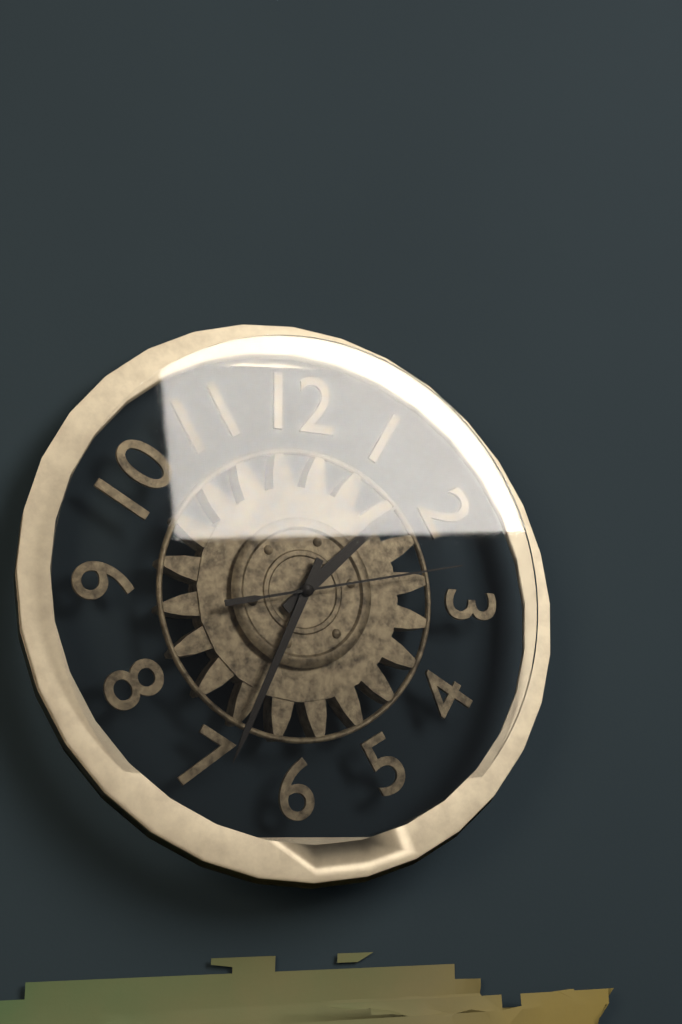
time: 1:34:13
